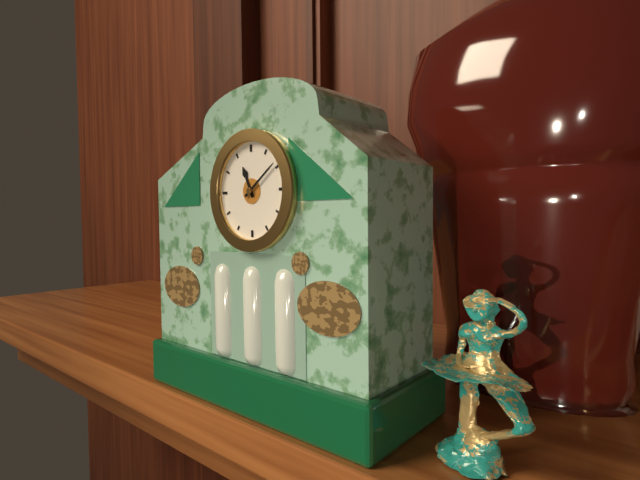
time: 11:09
